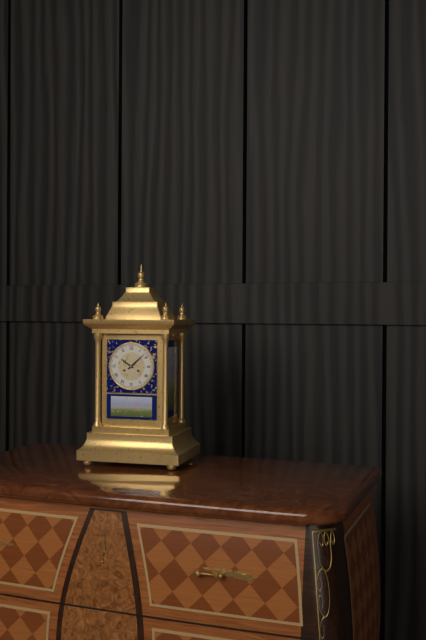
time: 10:08
